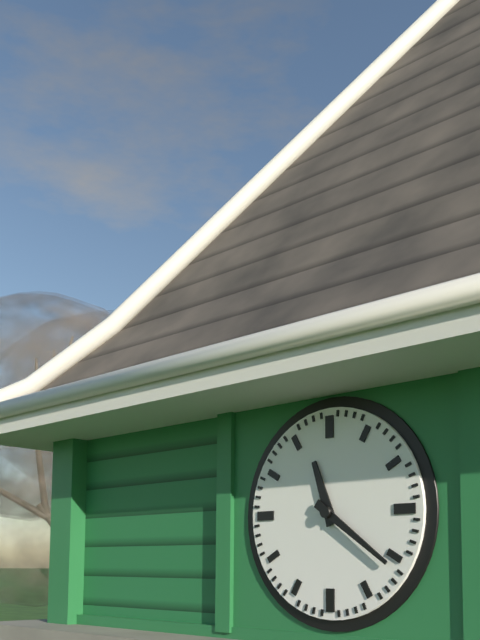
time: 11:21
